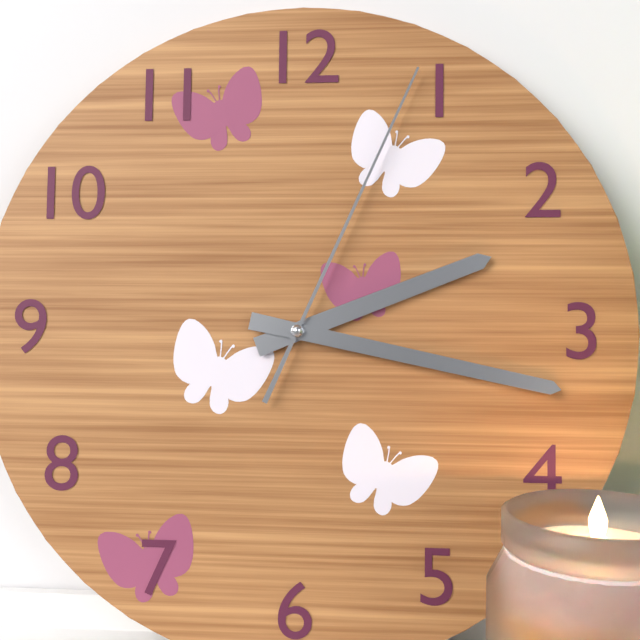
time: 2:17:04
